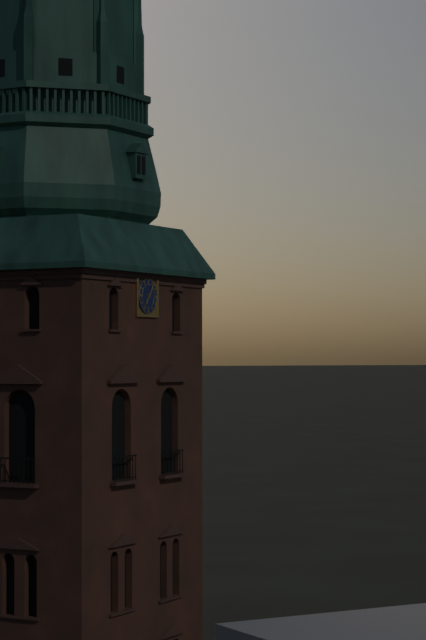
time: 7:06
